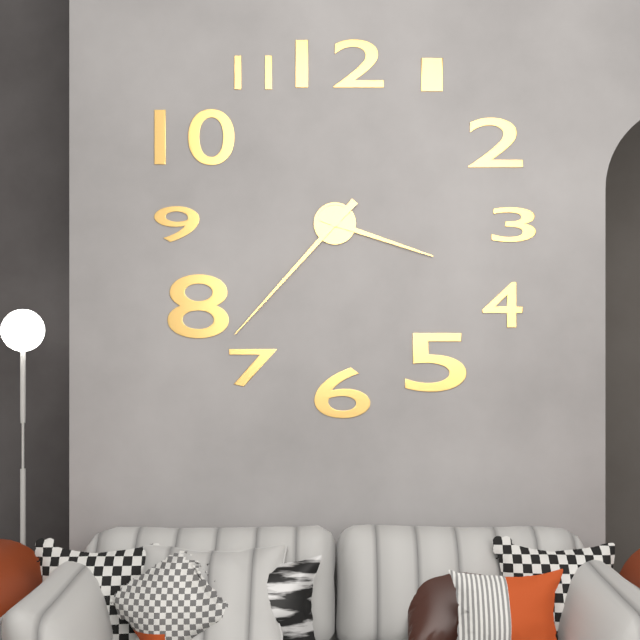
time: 3:37
